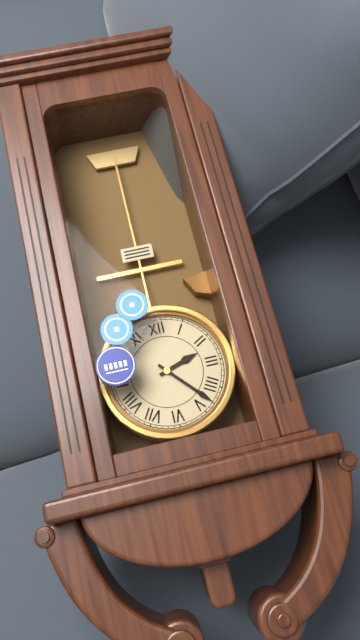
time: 2:23
